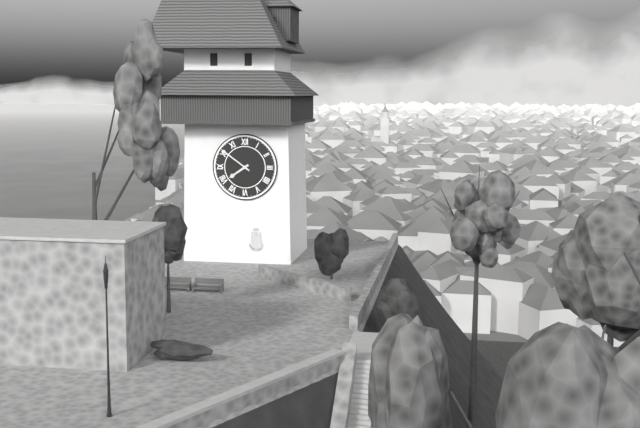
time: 7:51
